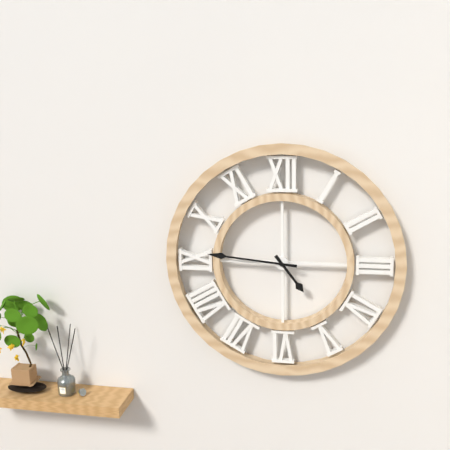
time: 4:46
